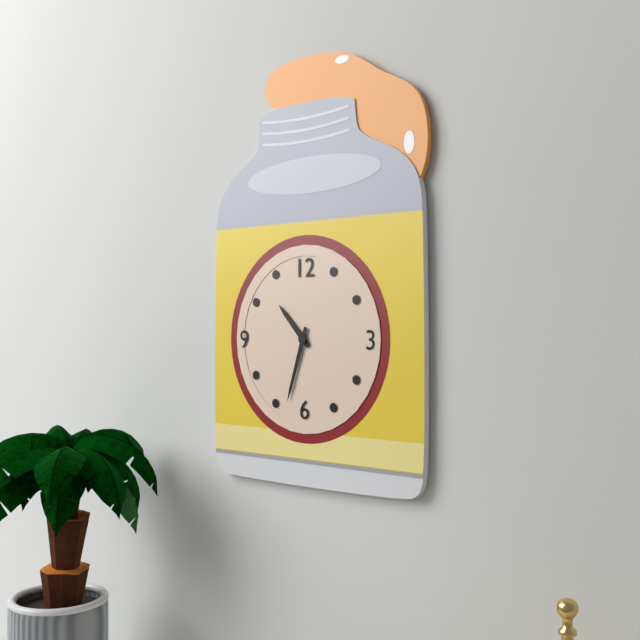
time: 10:33
